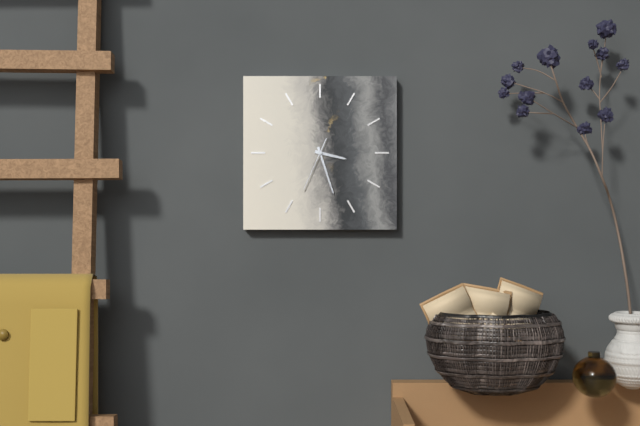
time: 3:27:34
